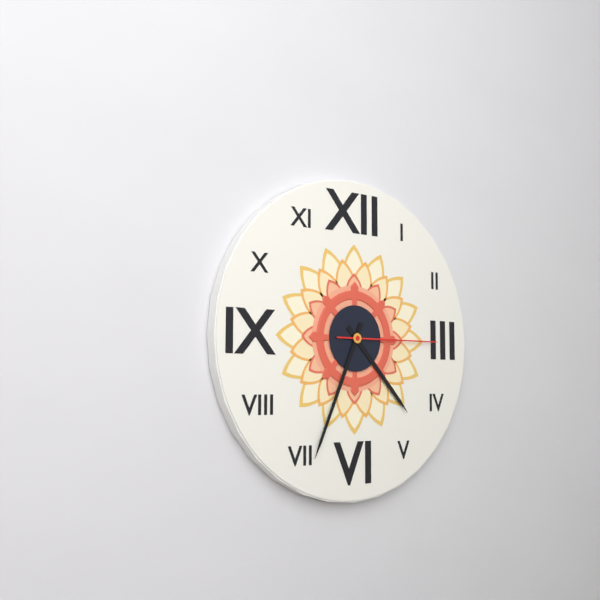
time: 4:34:15
